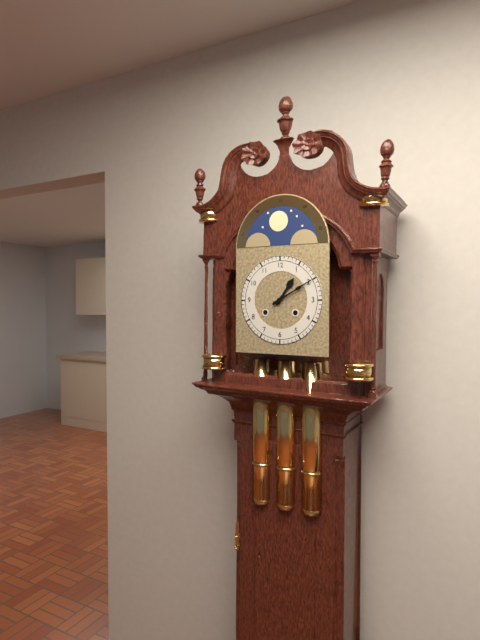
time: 1:10
